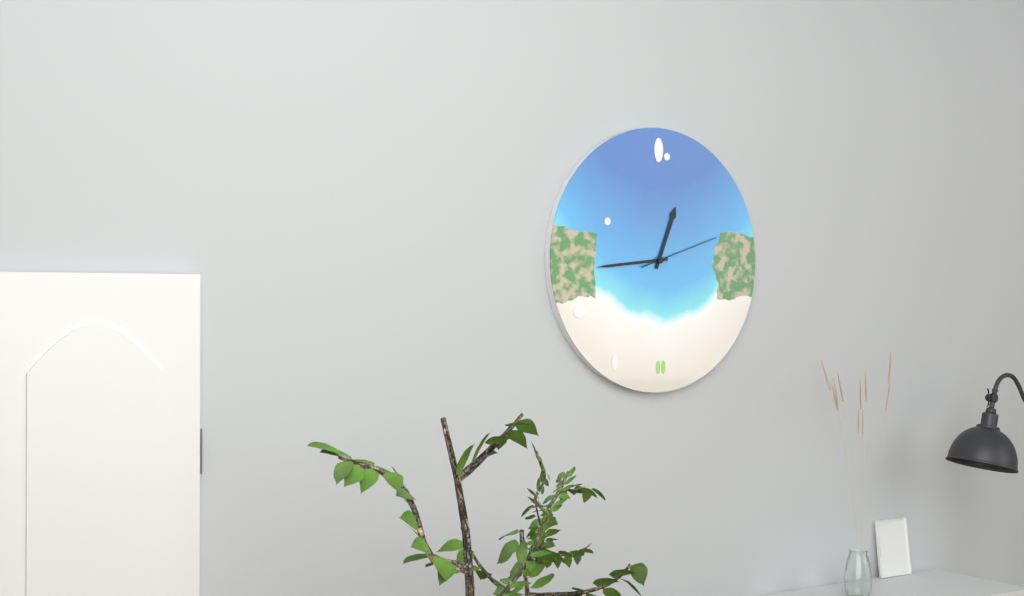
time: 12:44:12
